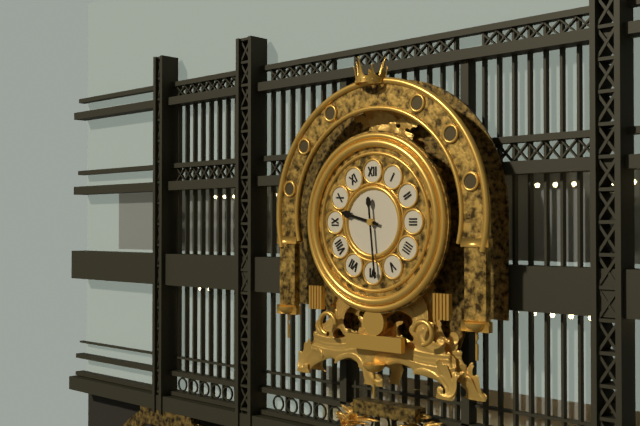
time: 9:29
